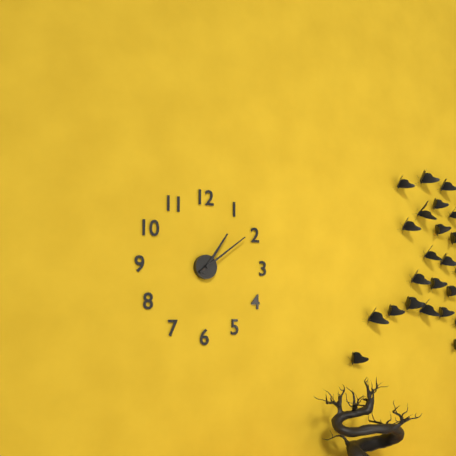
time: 1:09
